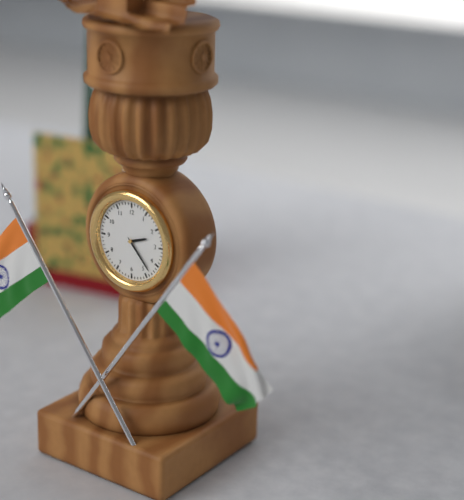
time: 2:23
